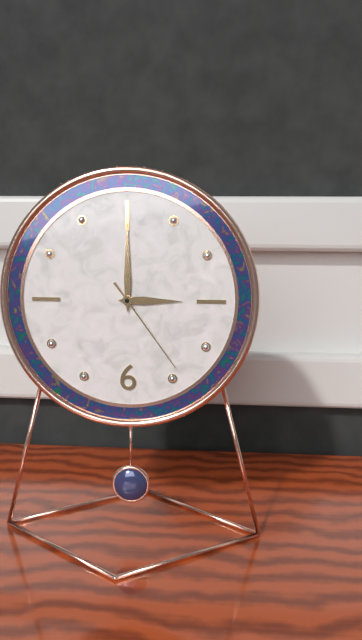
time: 3:00:24
